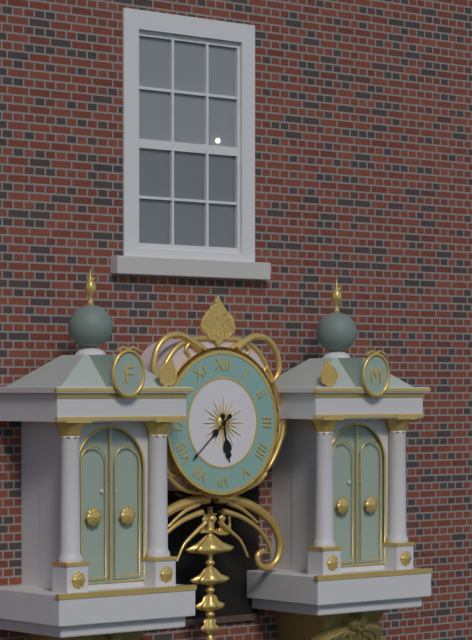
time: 5:38
